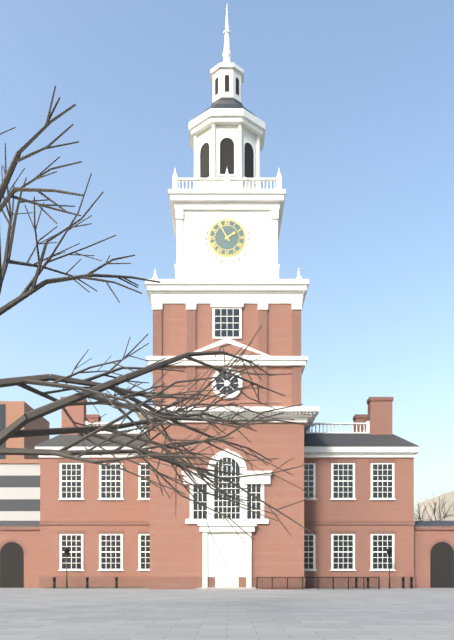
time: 1:55
